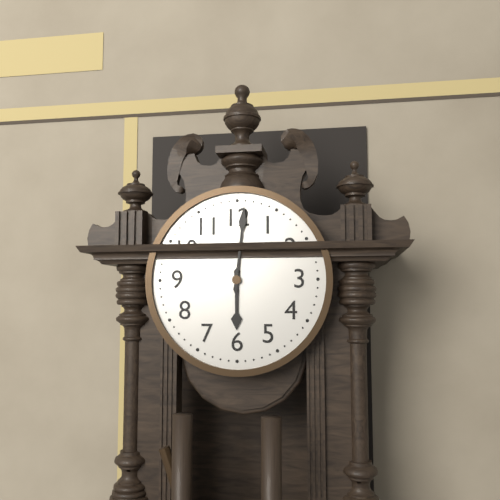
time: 6:01
